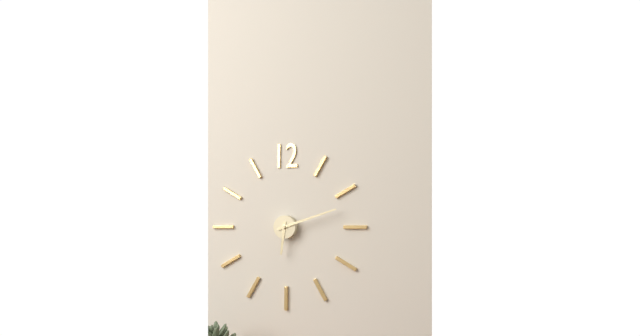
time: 6:12
